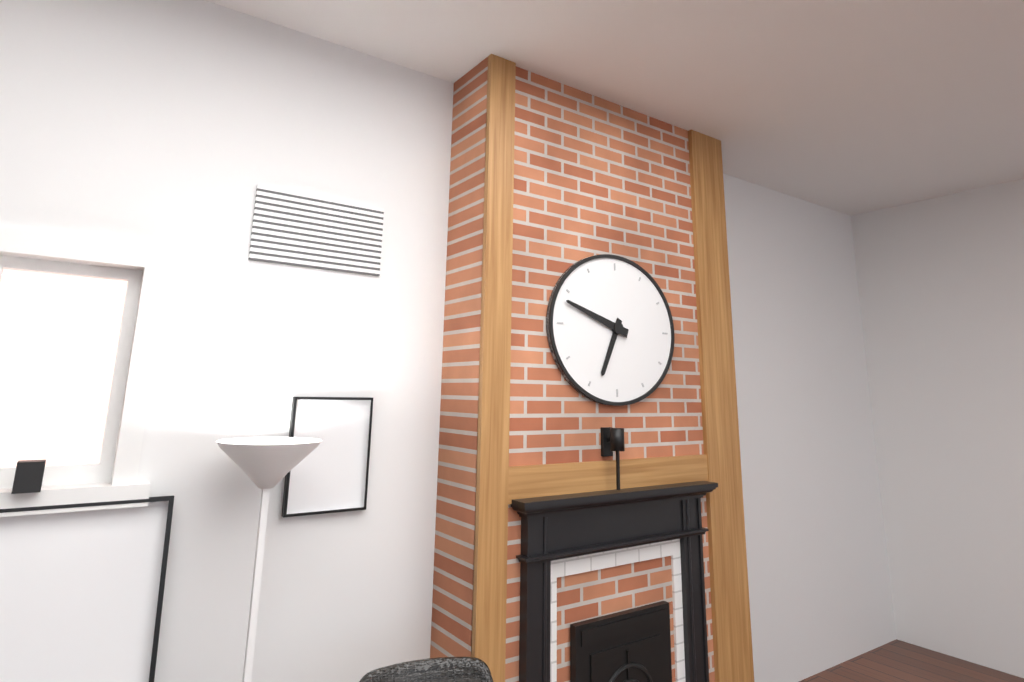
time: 6:48
